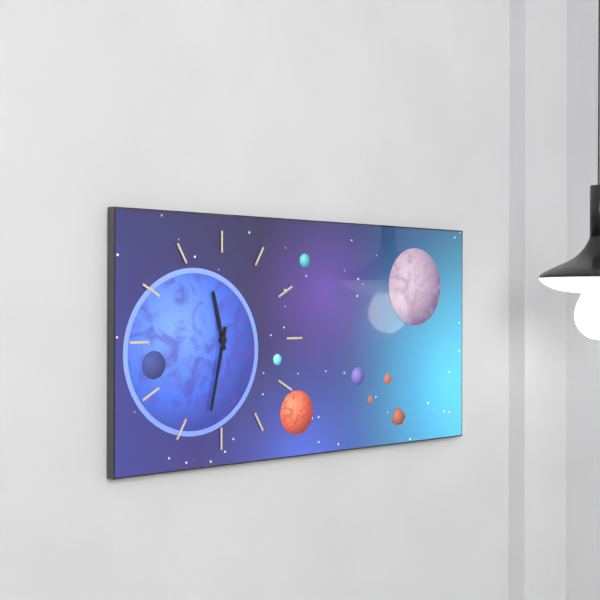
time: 11:32
